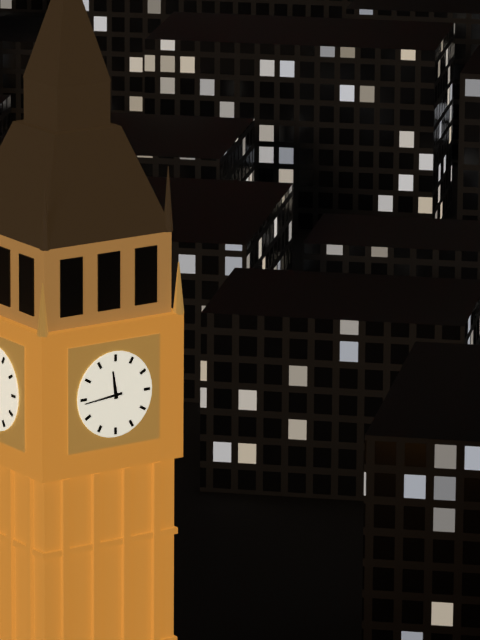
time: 11:44
